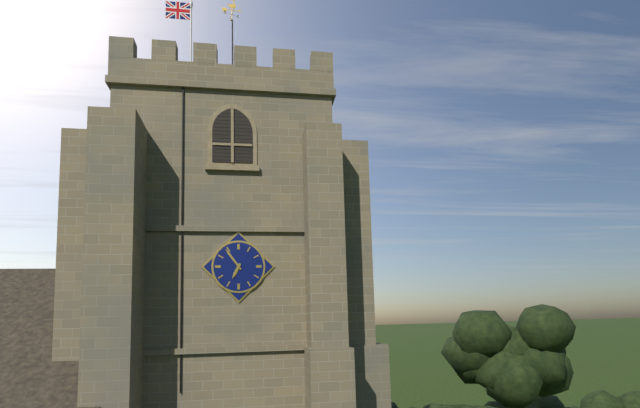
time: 6:54
